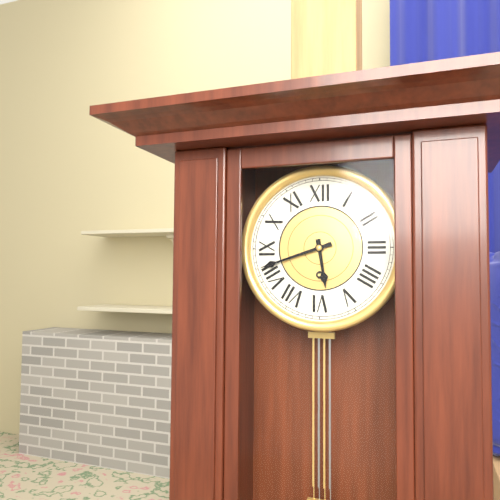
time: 5:42
